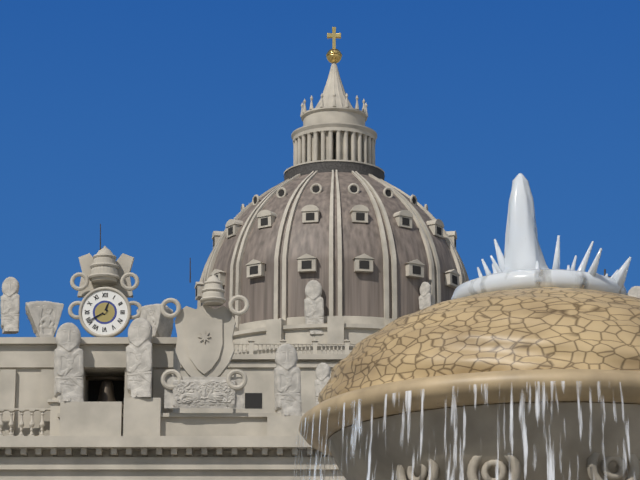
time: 12:40
